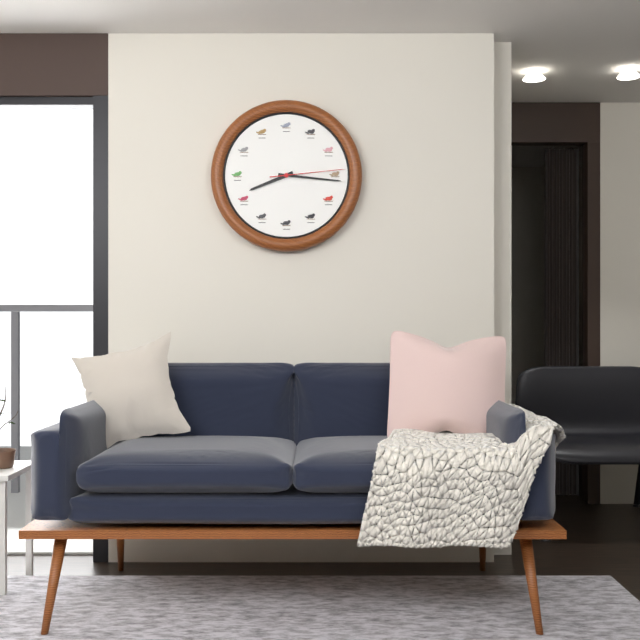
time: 8:16:14
